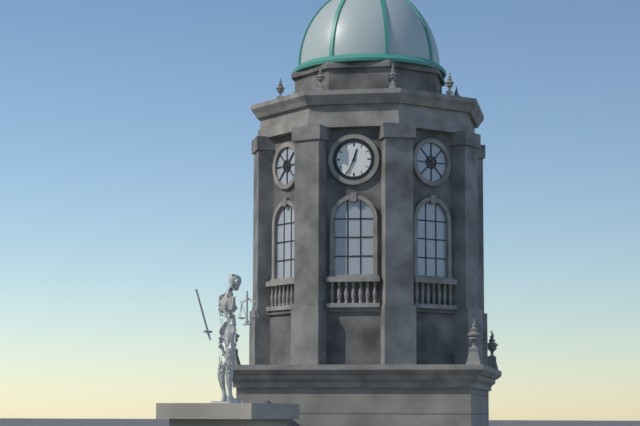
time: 12:34
